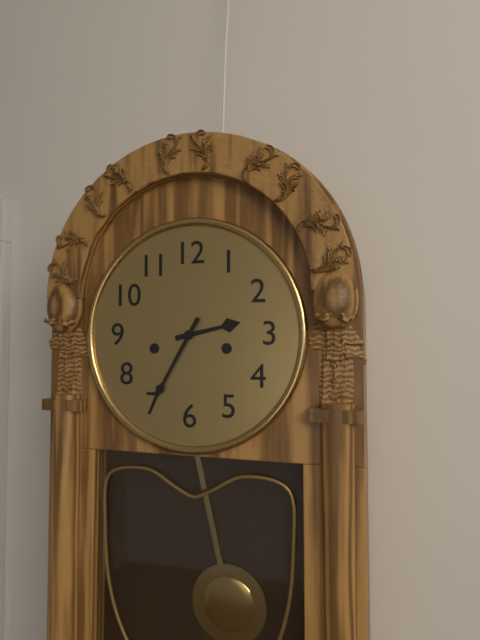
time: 2:35
